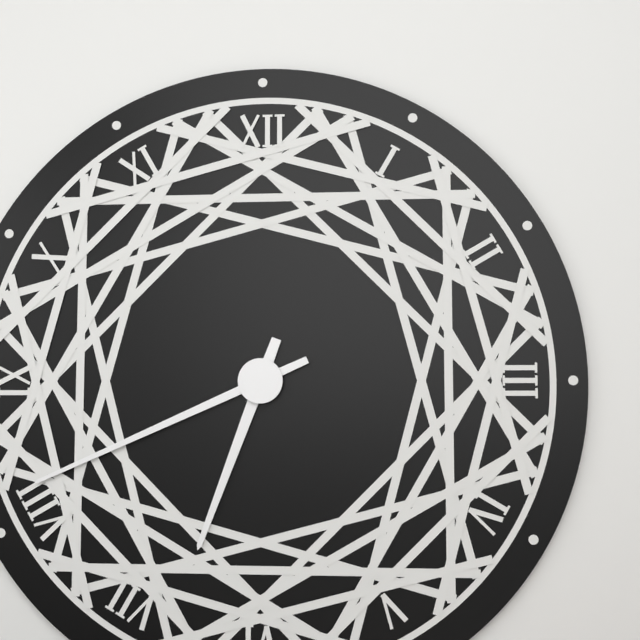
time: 6:41
